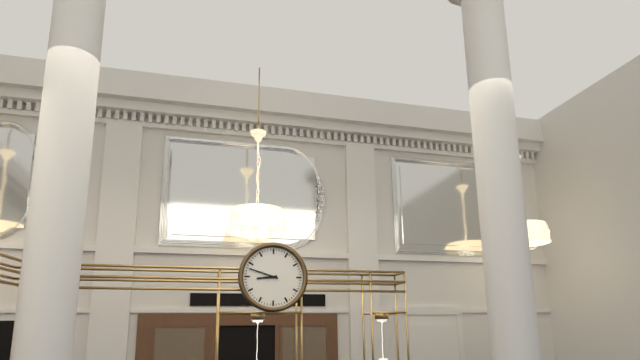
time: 8:48
